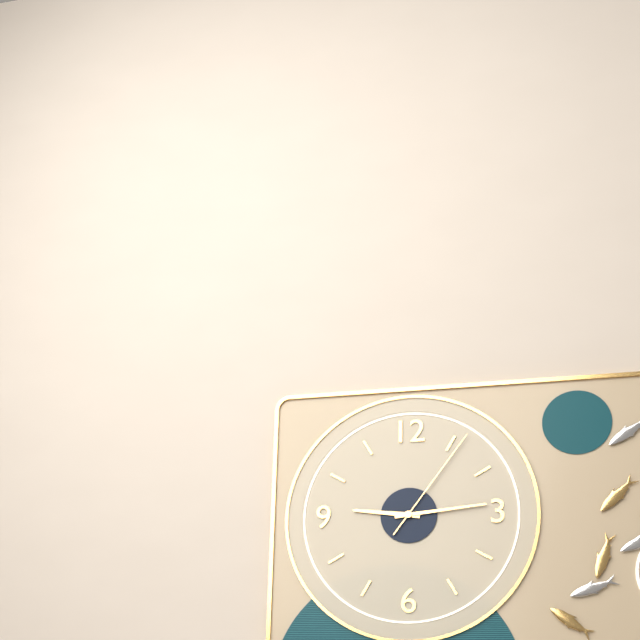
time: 9:14:06
